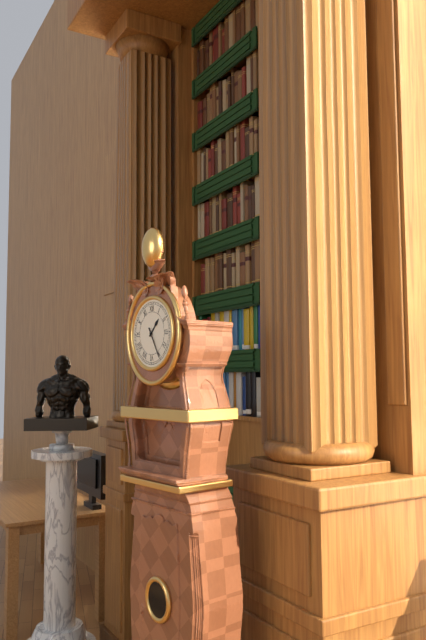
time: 1:25
